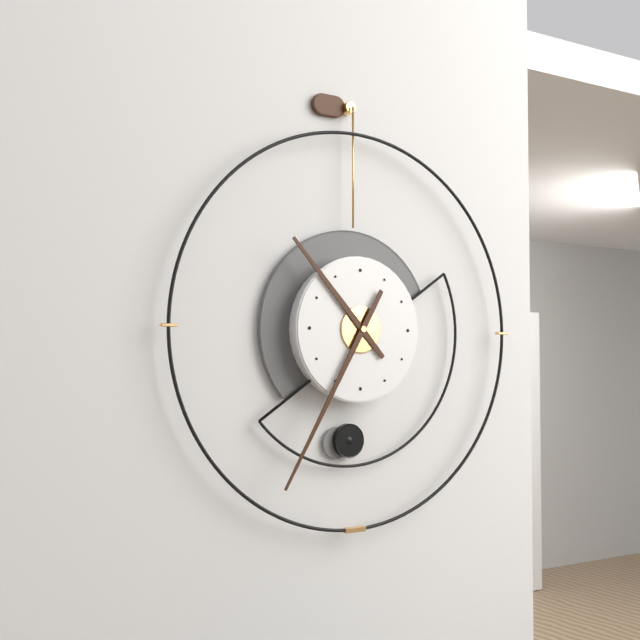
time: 10:35
